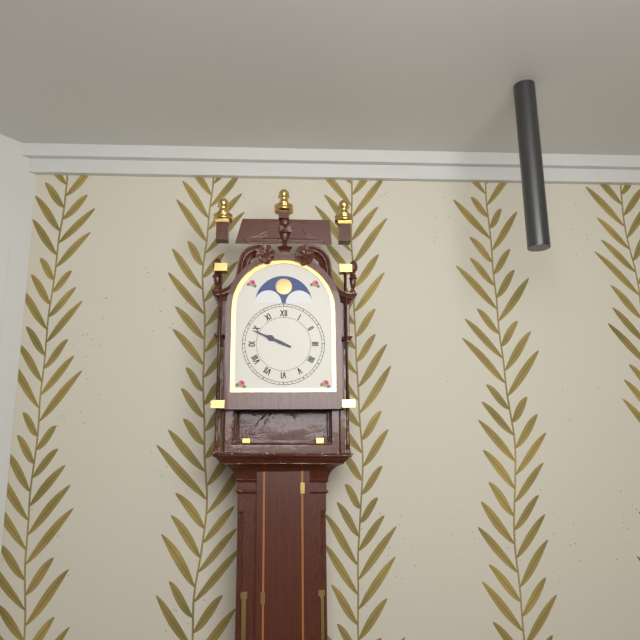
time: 9:49
